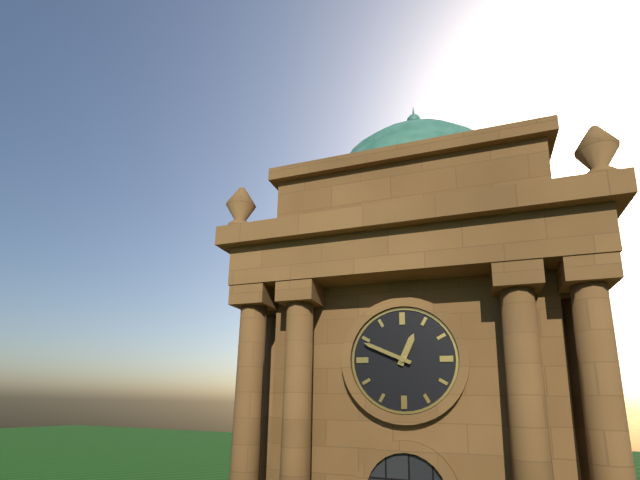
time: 12:49
